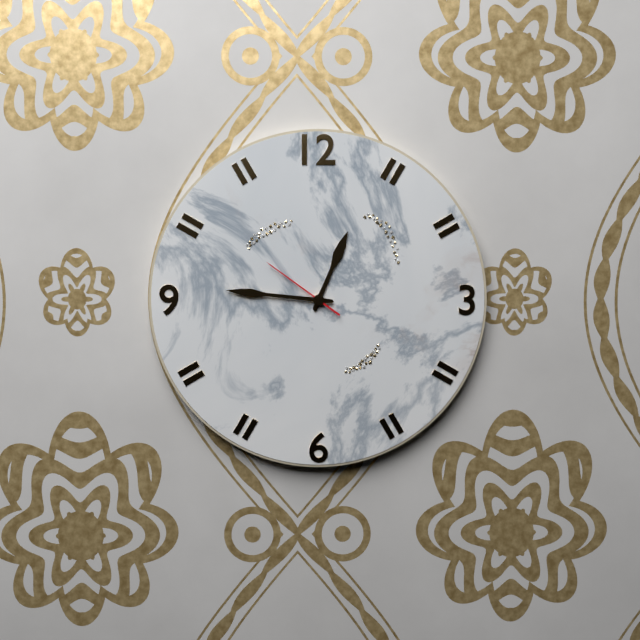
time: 12:46:51
